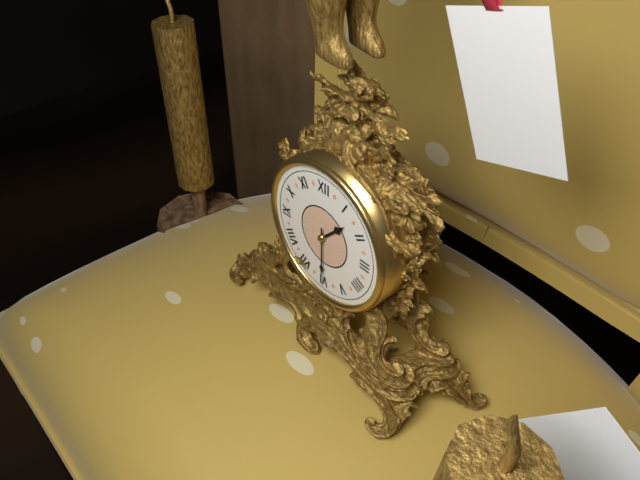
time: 1:30
